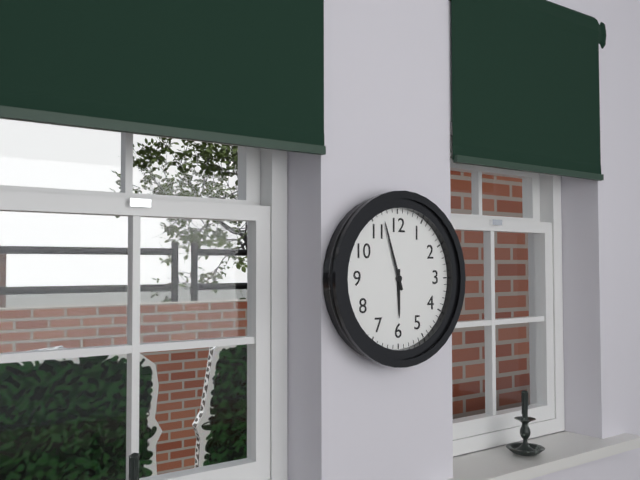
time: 5:57
